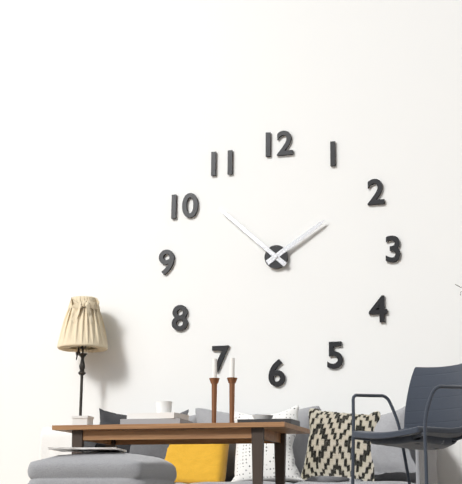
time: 1:52
